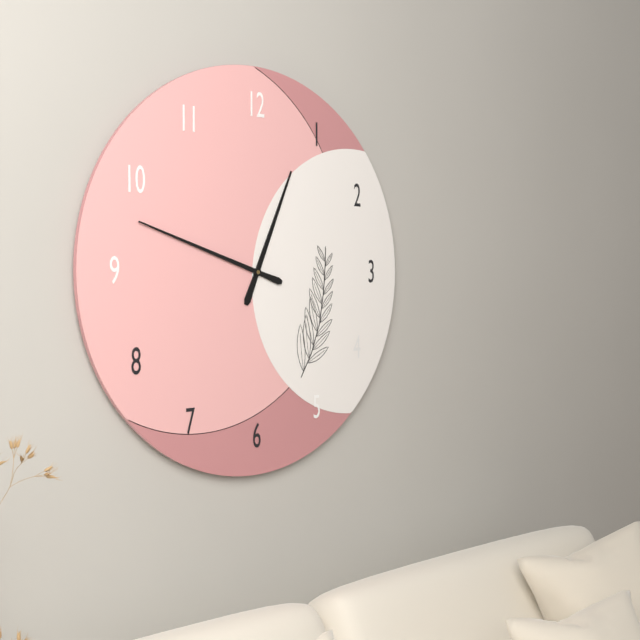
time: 12:48
